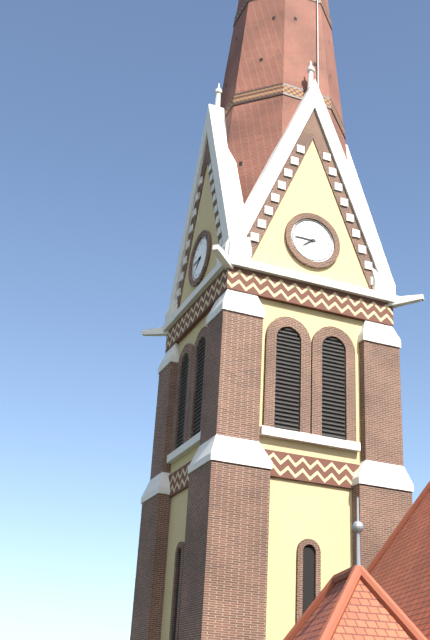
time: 7:45
